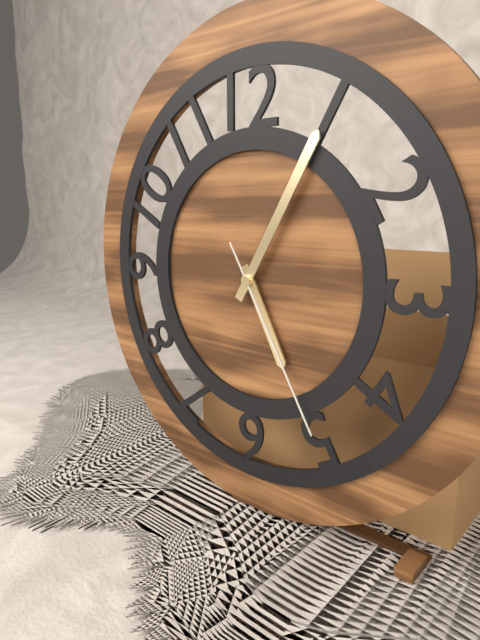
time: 5:05:25
